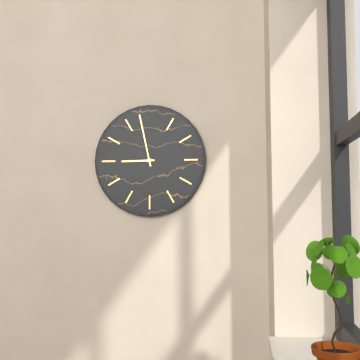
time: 8:58
